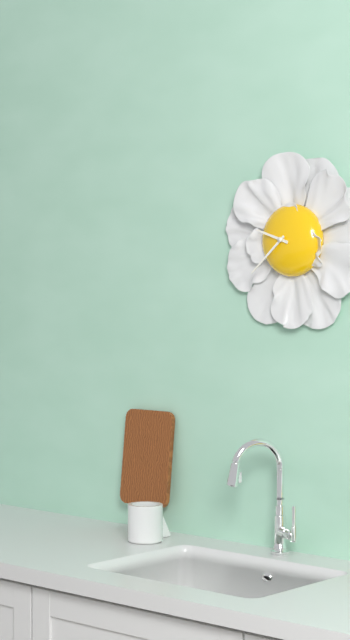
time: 9:38
